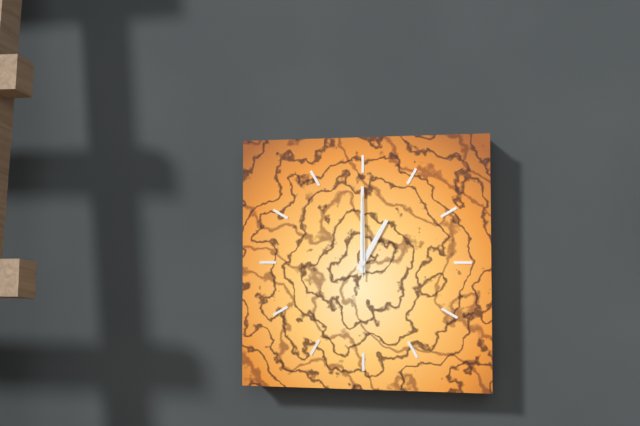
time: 1:00:00
